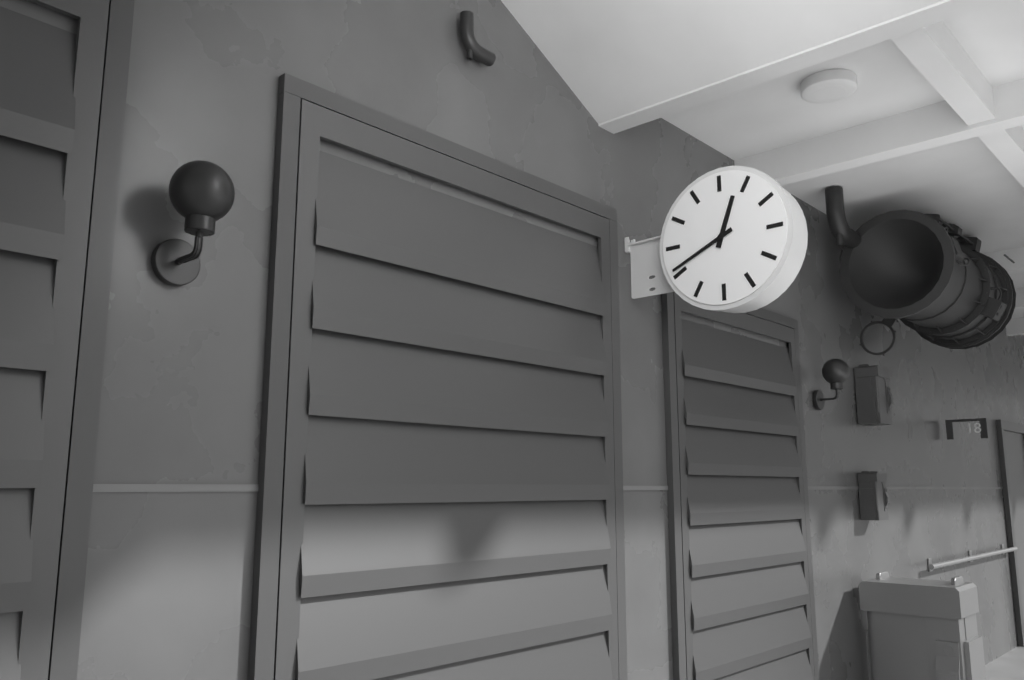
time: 12:41
